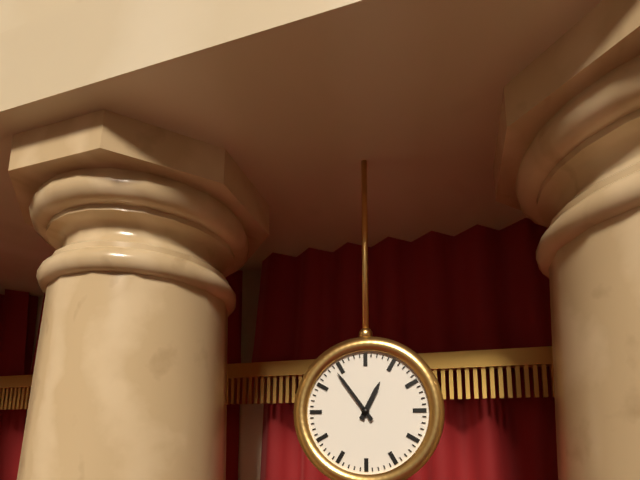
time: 12:54
